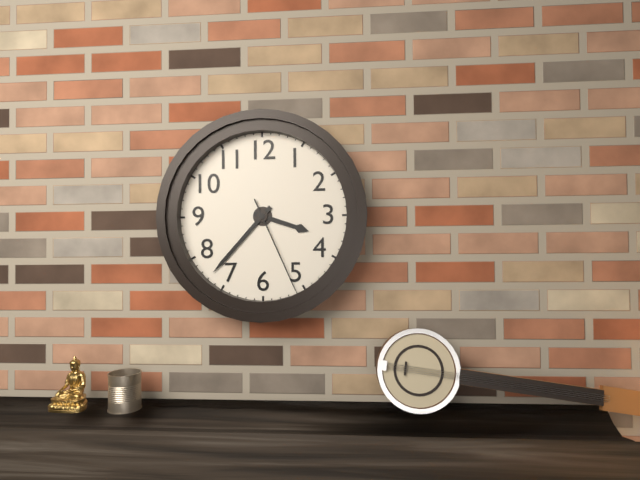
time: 3:37:26
